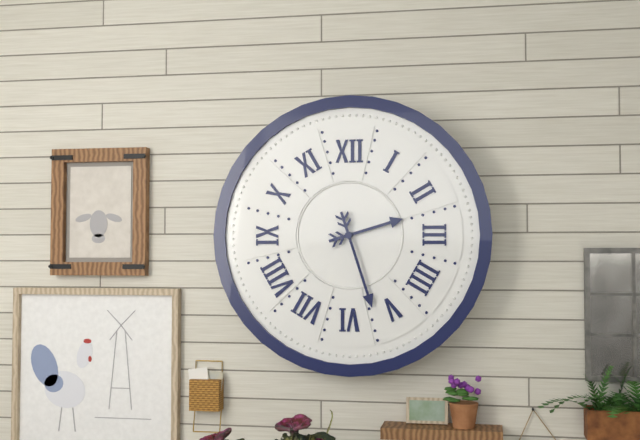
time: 2:27
